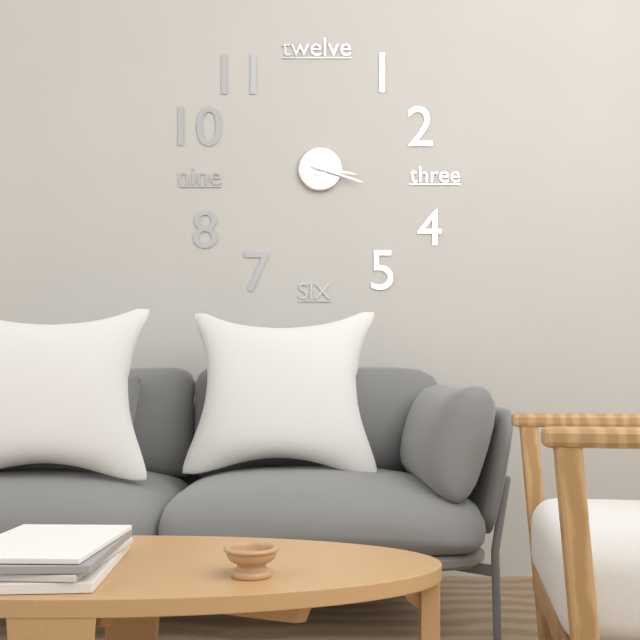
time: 3:18
